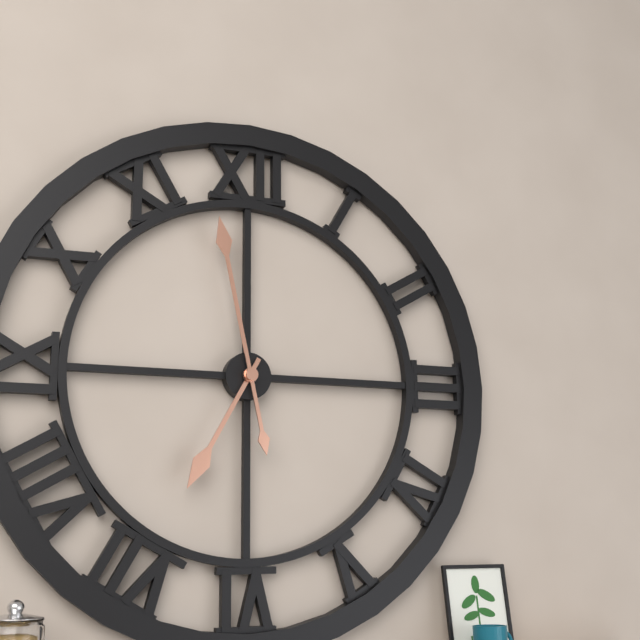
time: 6:58
